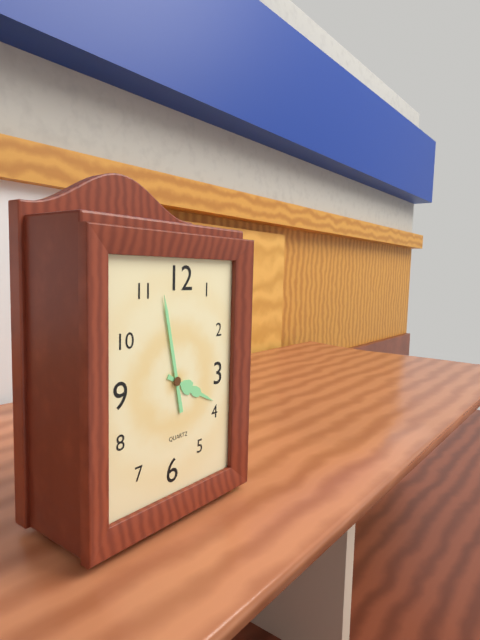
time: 3:58
